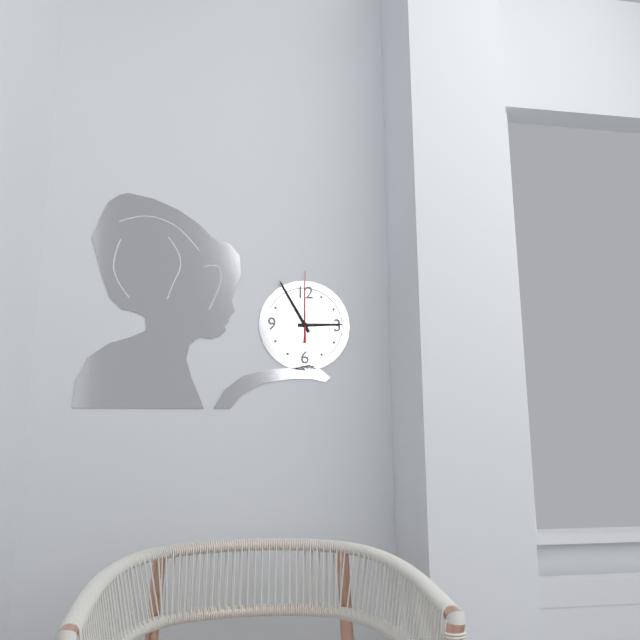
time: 2:55:00
